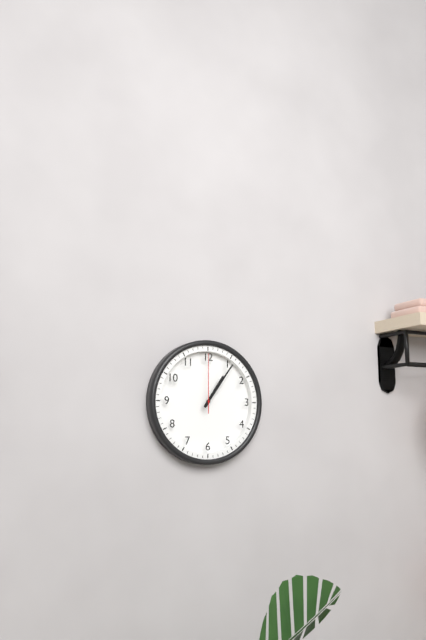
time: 1:06:00
